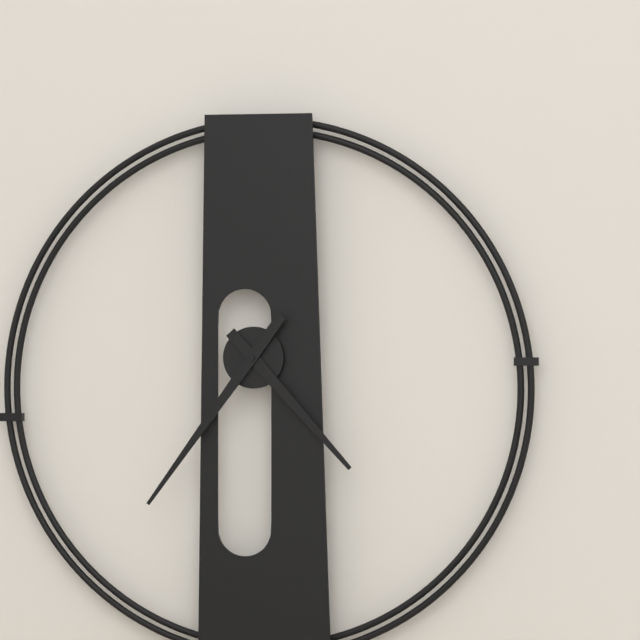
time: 4:36
